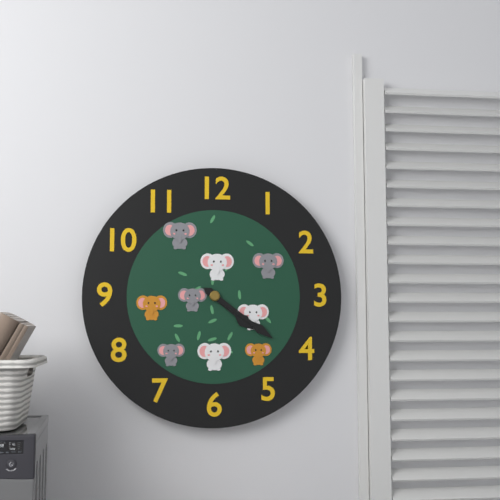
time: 4:21
